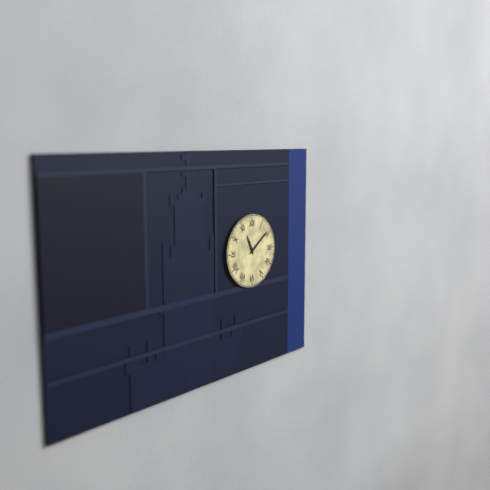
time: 11:09
